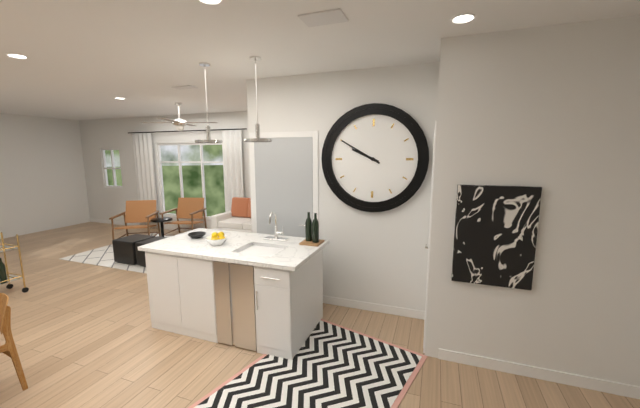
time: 9:50
